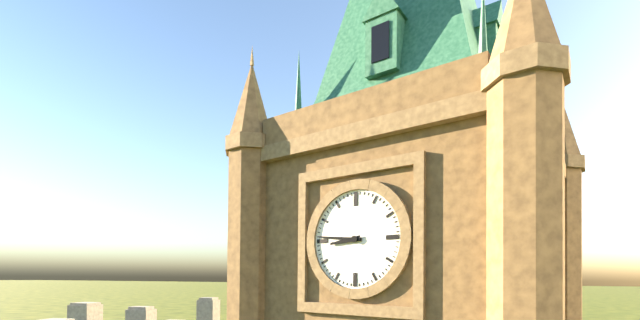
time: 8:46
